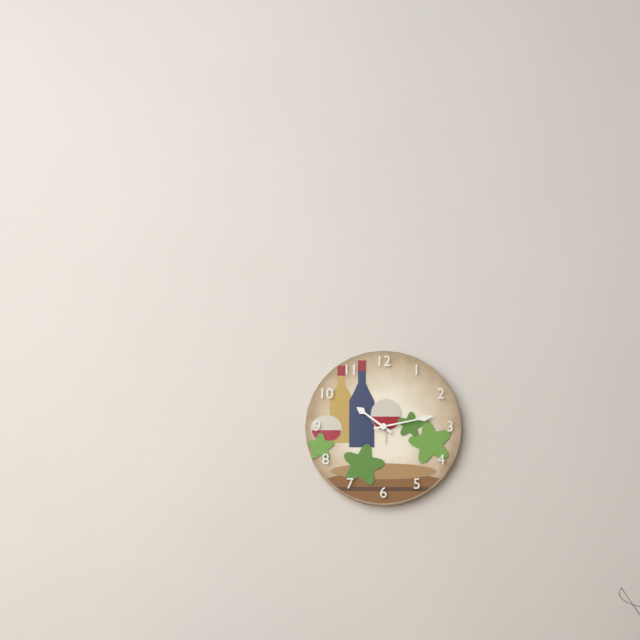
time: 10:13
